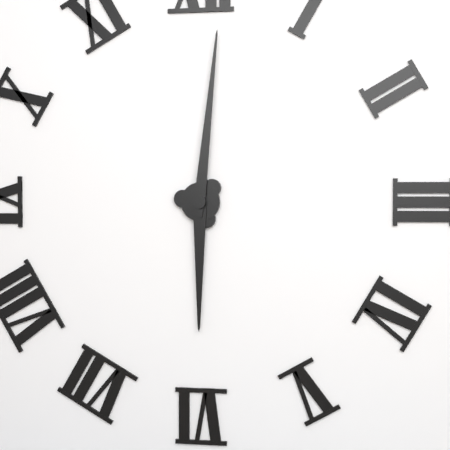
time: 6:01
